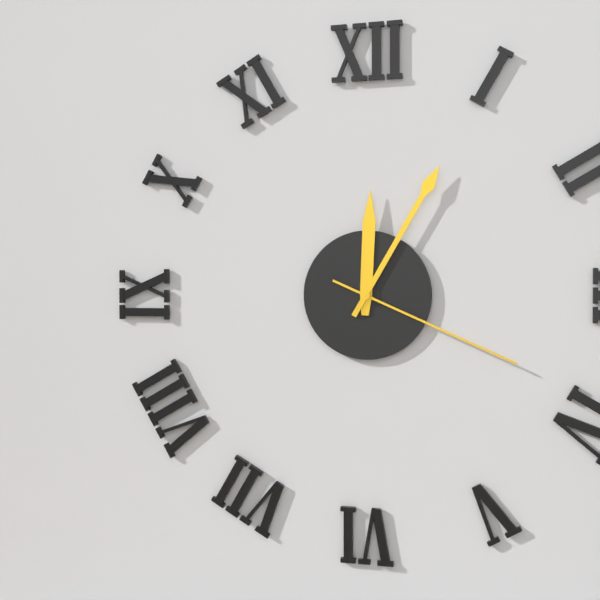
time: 12:05:19
